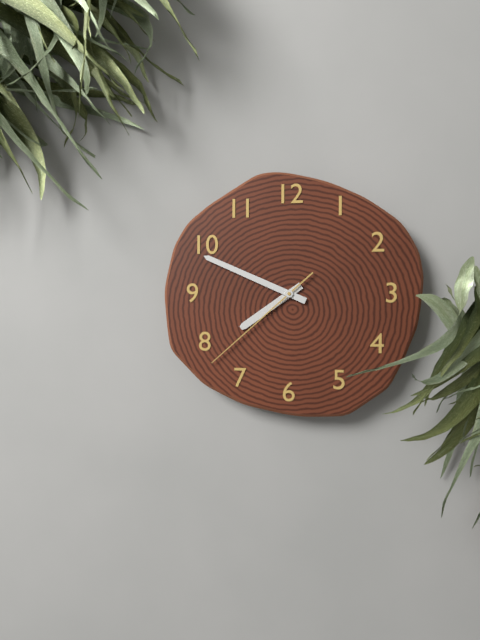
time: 7:49:38
